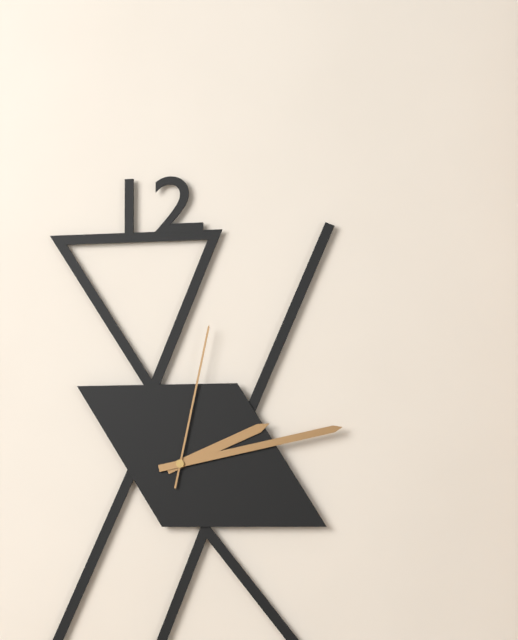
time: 2:13:02
